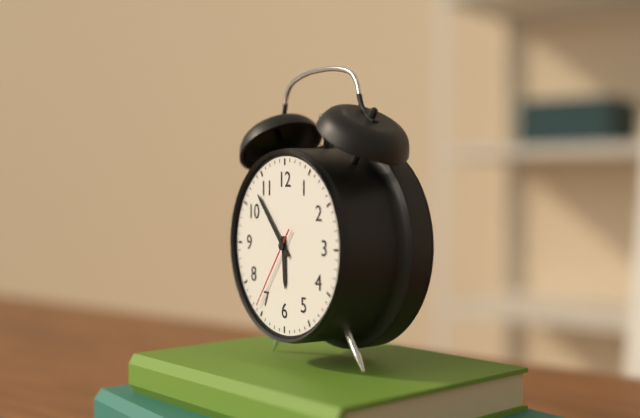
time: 5:53:36
